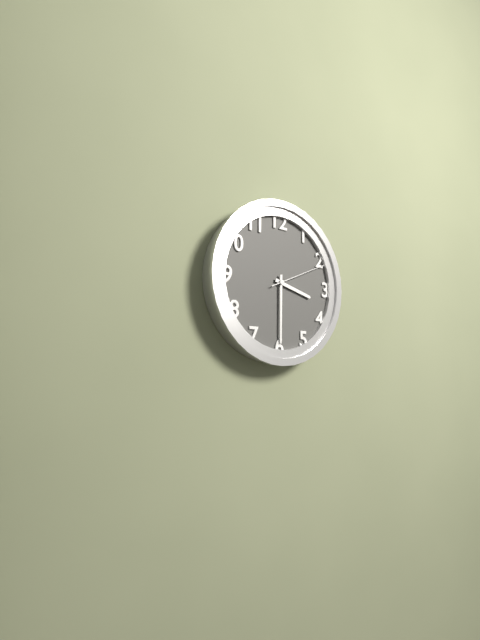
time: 3:30:11
